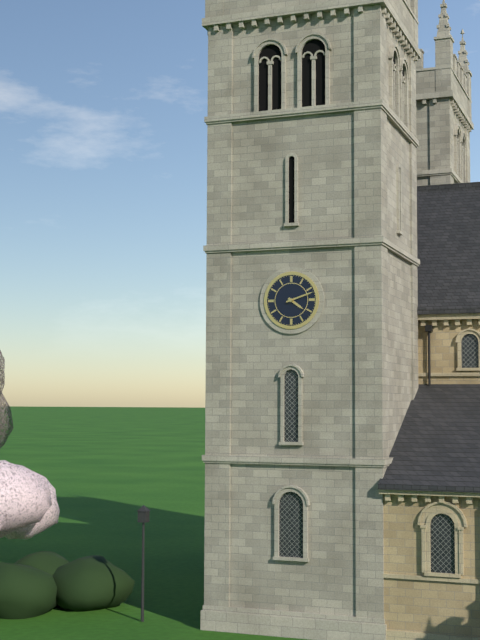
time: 4:12
